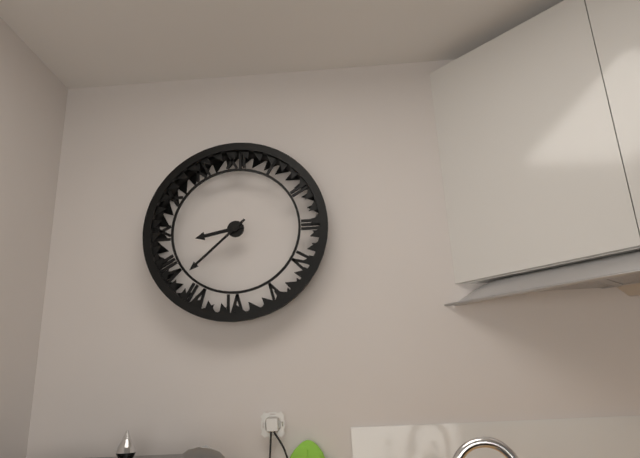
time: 8:38
